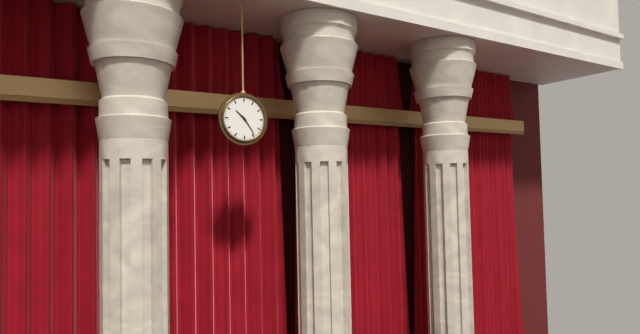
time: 10:24
